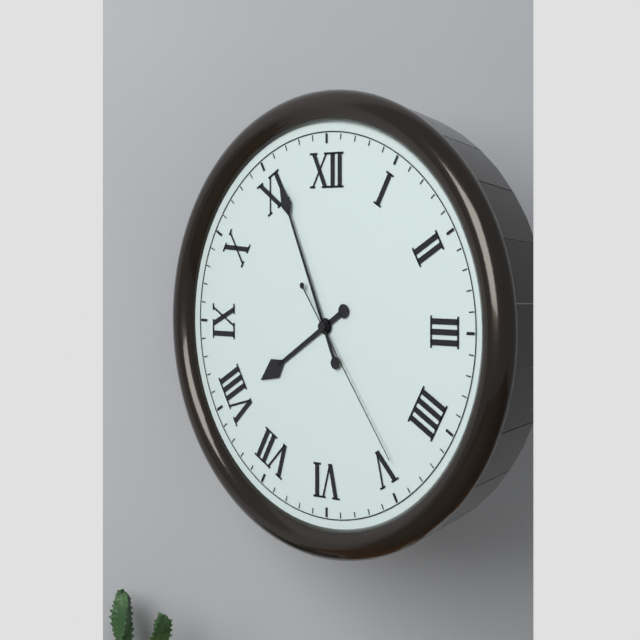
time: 7:56:24
